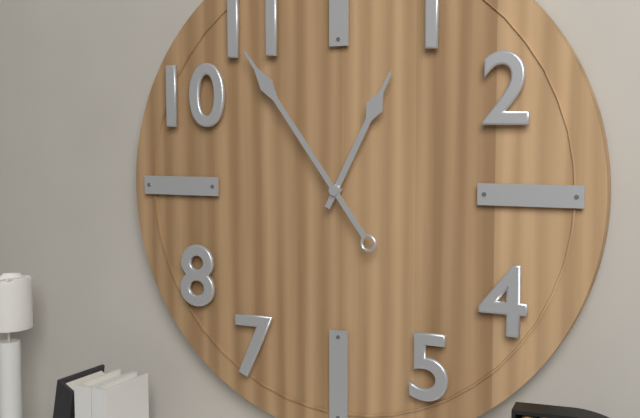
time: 12:54
